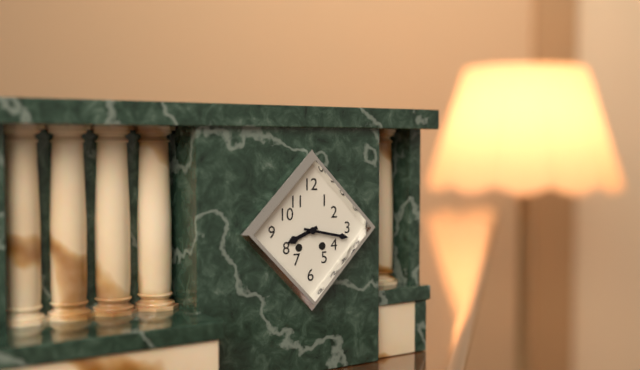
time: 8:17
